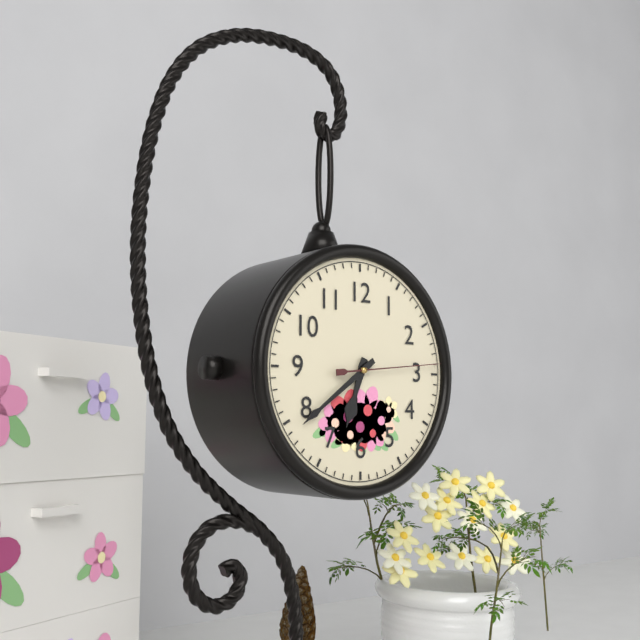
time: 6:39:14
